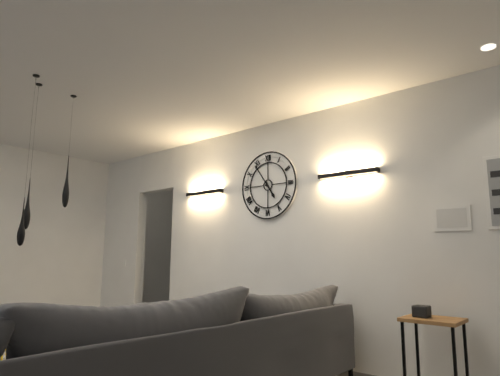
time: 4:54
